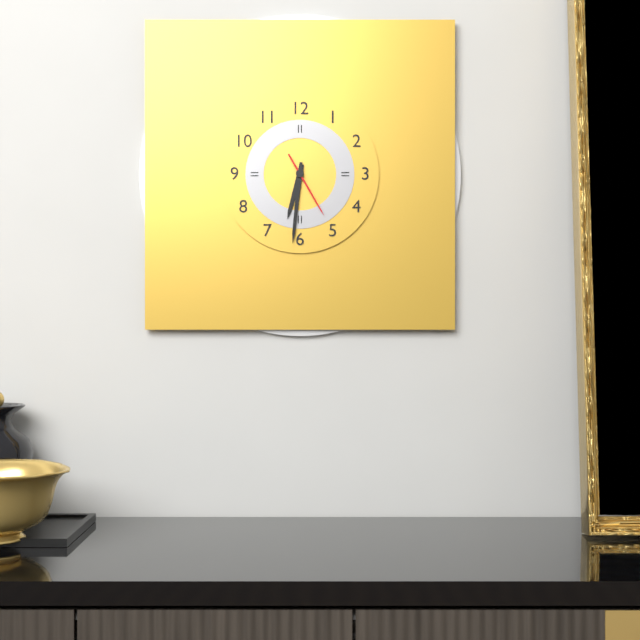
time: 6:31:25
